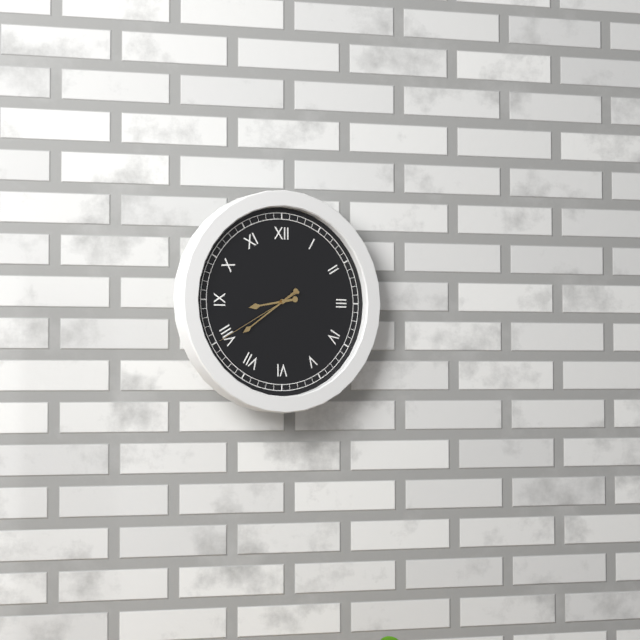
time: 8:39:40
